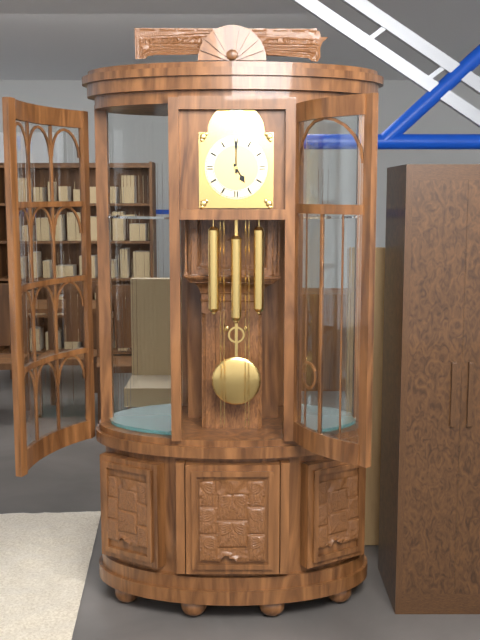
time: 5:00
